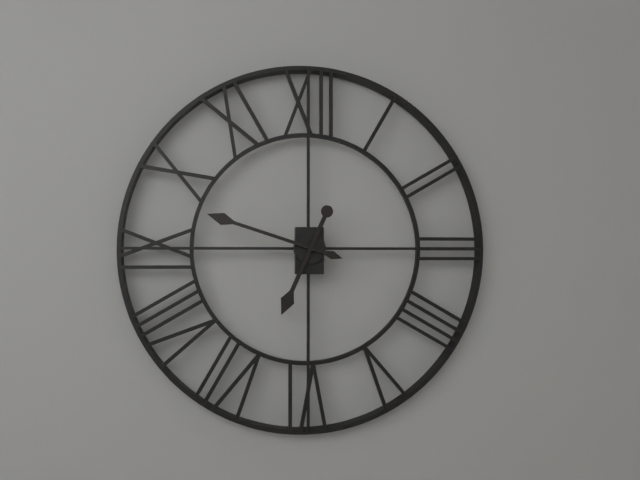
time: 6:48
